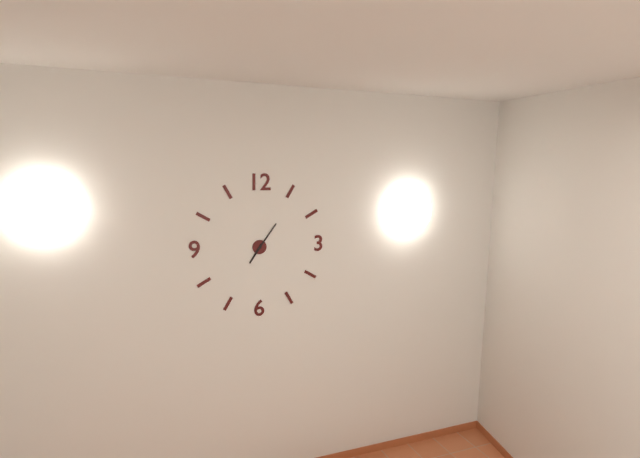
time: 7:06
